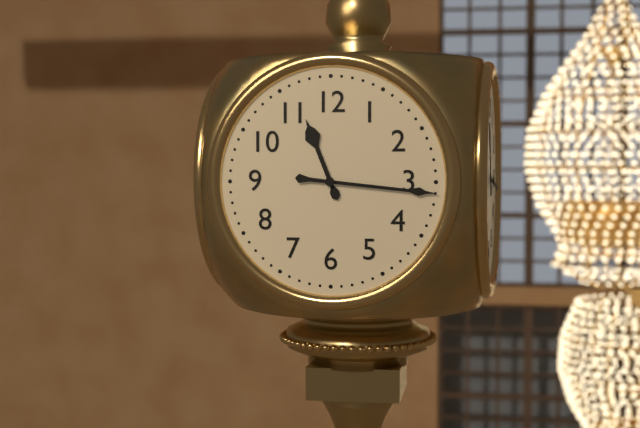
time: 11:16
